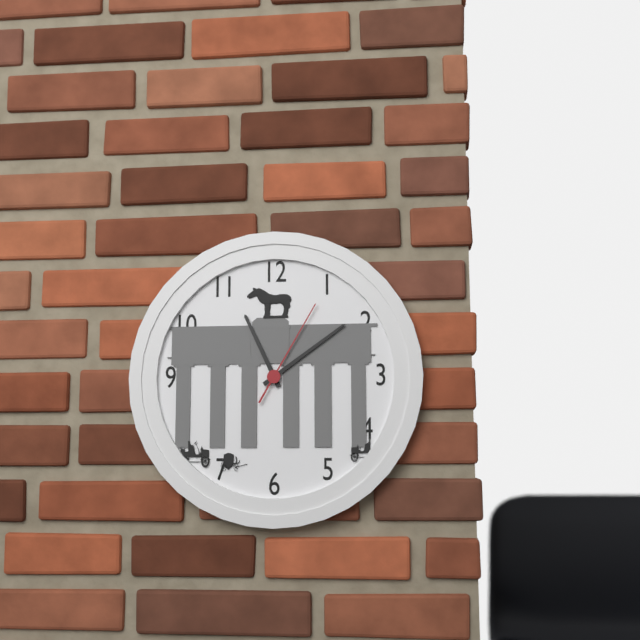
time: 11:09:05
